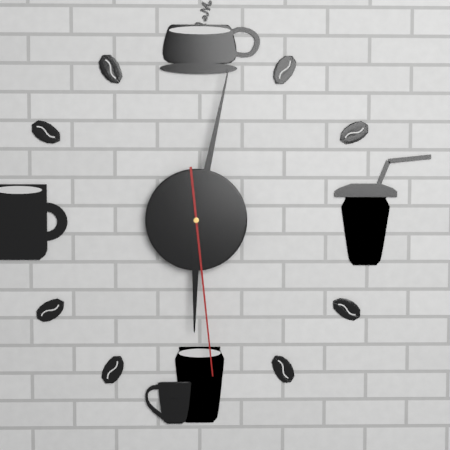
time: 6:02:29
